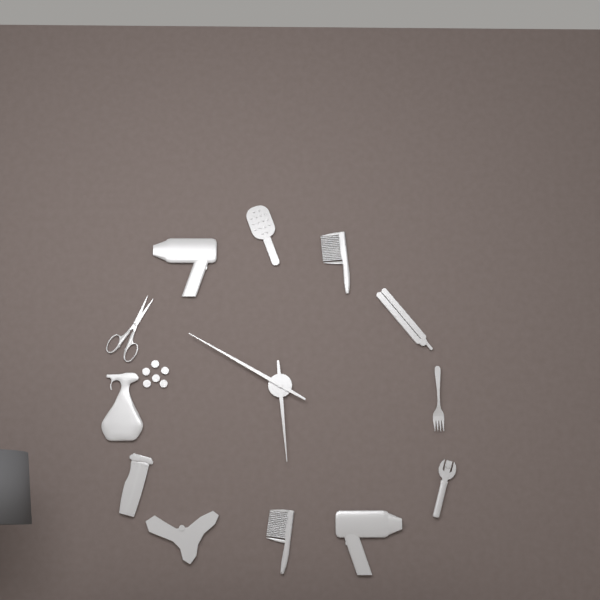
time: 5:50
